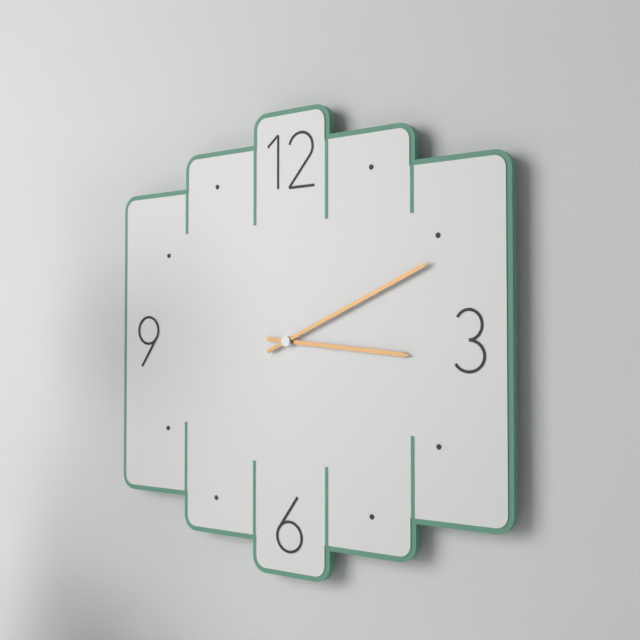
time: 3:11
